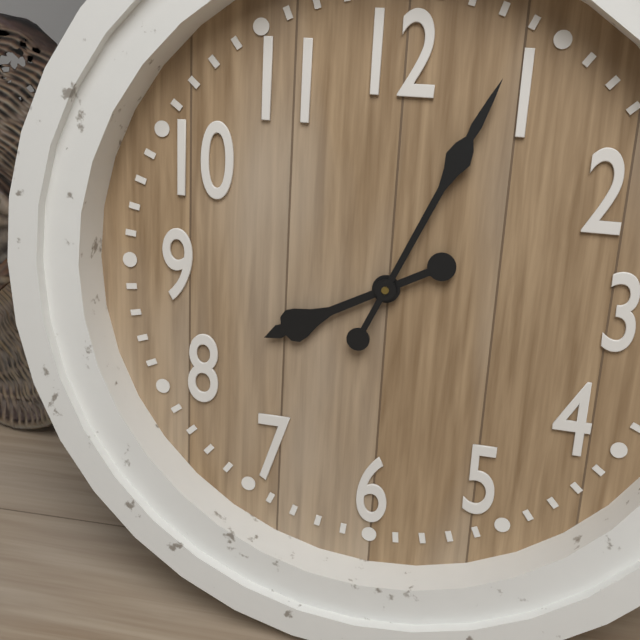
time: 8:04
